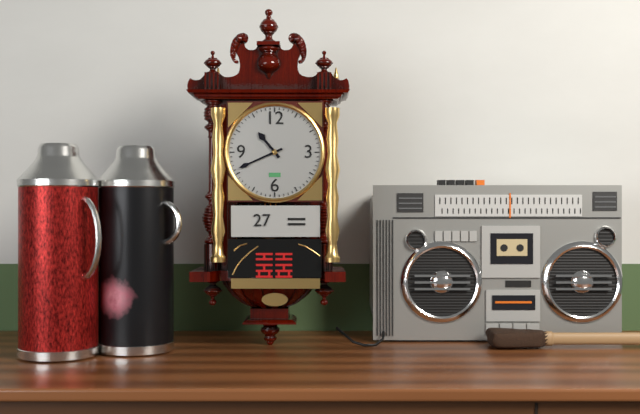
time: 10:41
